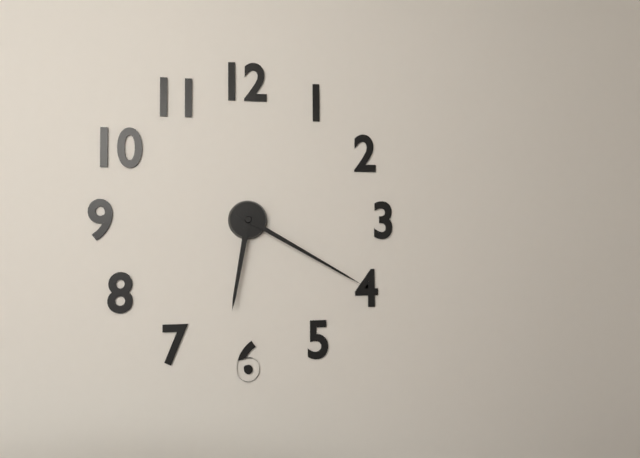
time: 6:20
